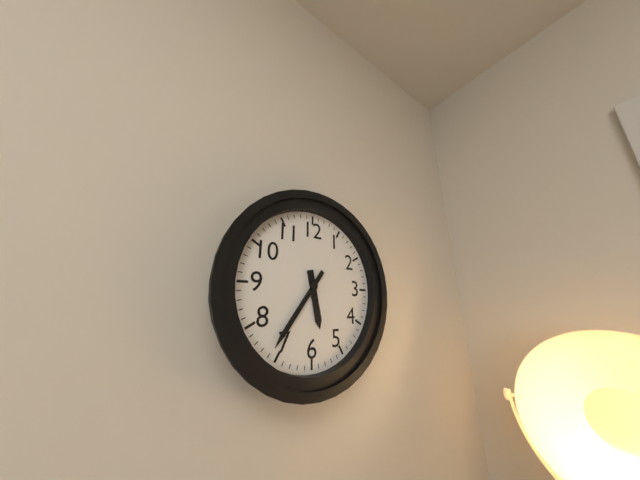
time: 5:36
